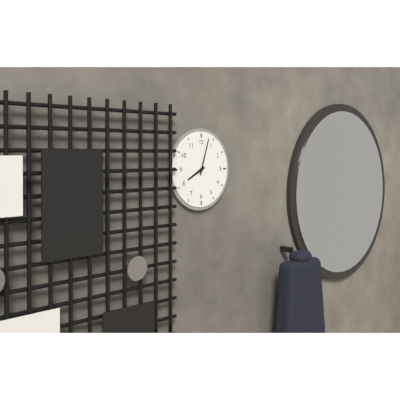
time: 8:03
